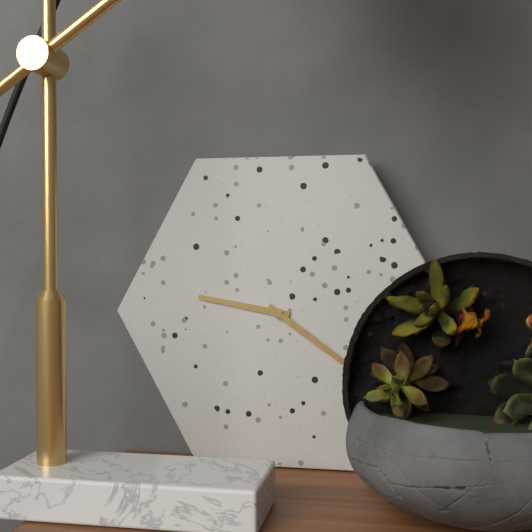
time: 9:21
